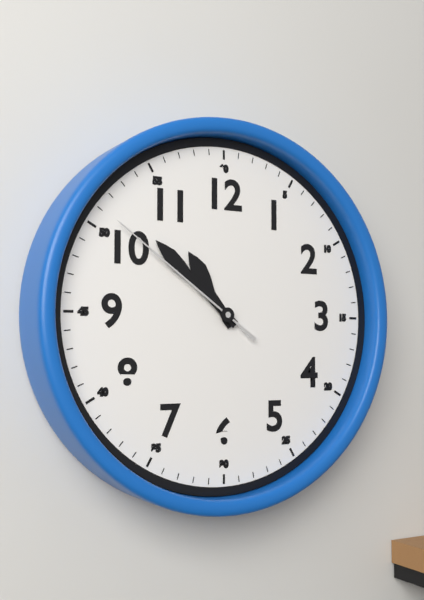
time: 10:52:51
